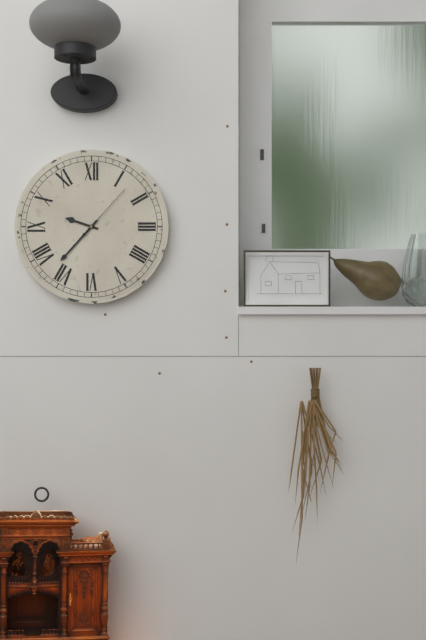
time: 9:37:07
